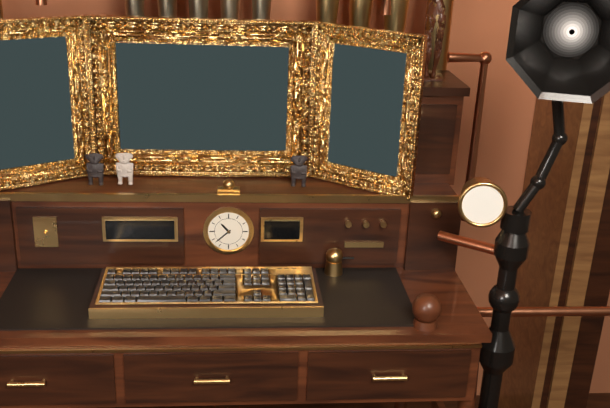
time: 10:38
